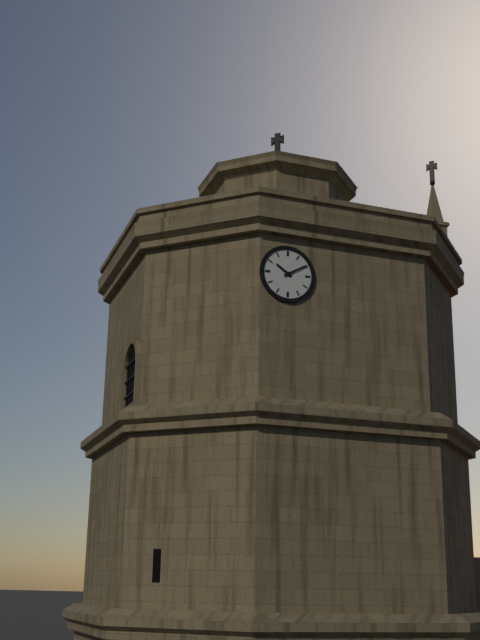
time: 10:10
